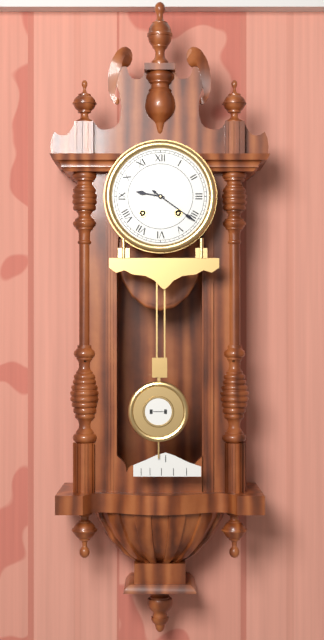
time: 9:21
